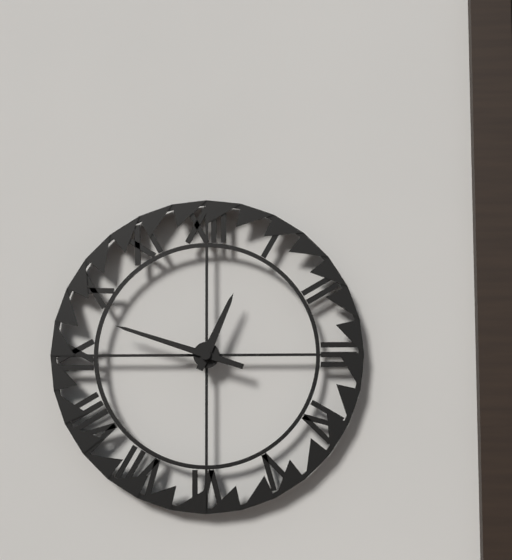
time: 12:48
